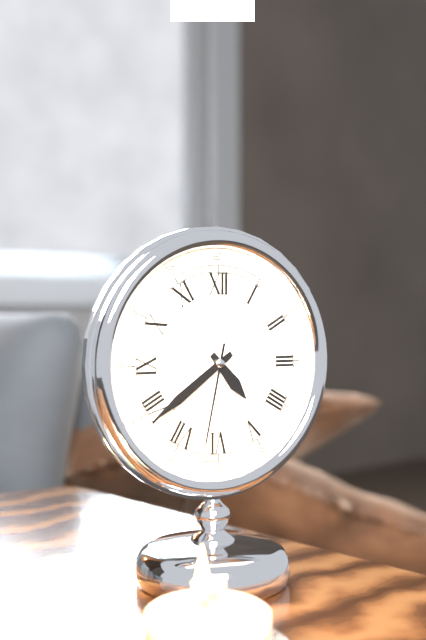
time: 4:39:32
